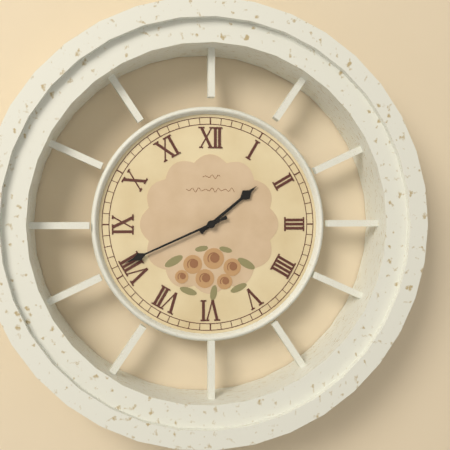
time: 1:41
